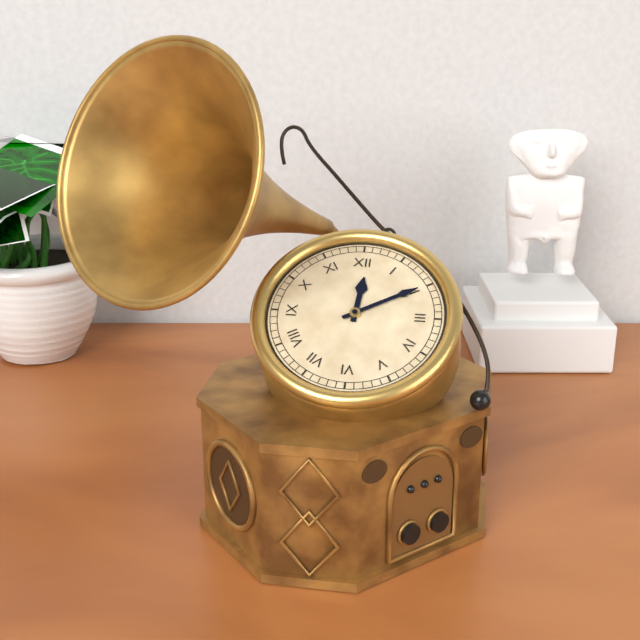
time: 12:10
